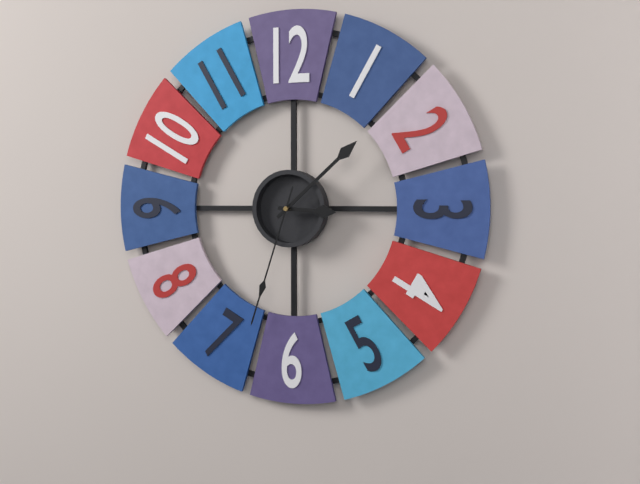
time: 3:08:33
